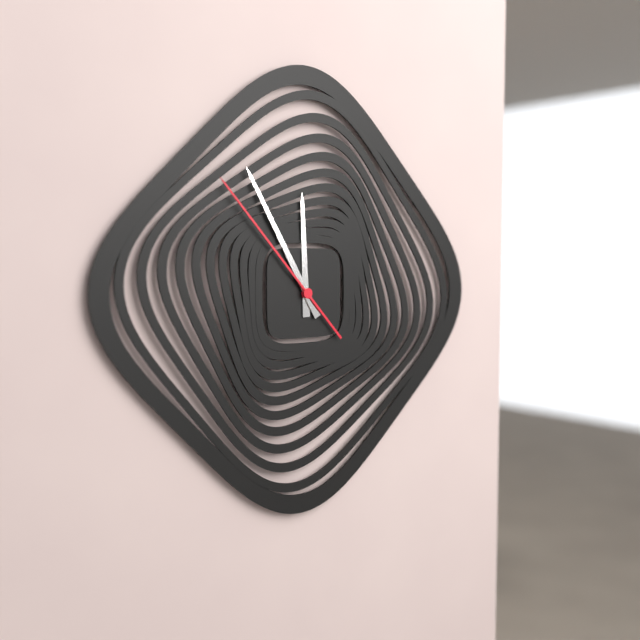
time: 11:55:53
